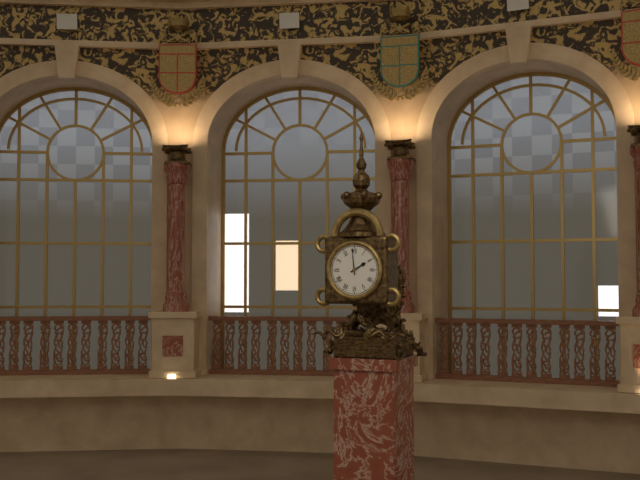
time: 1:59
